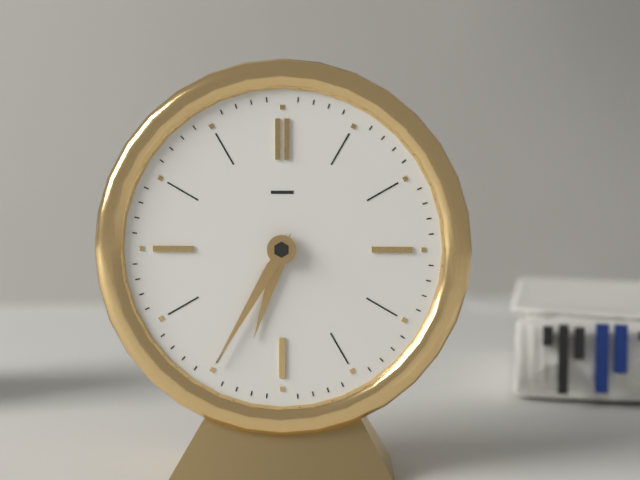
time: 6:35
